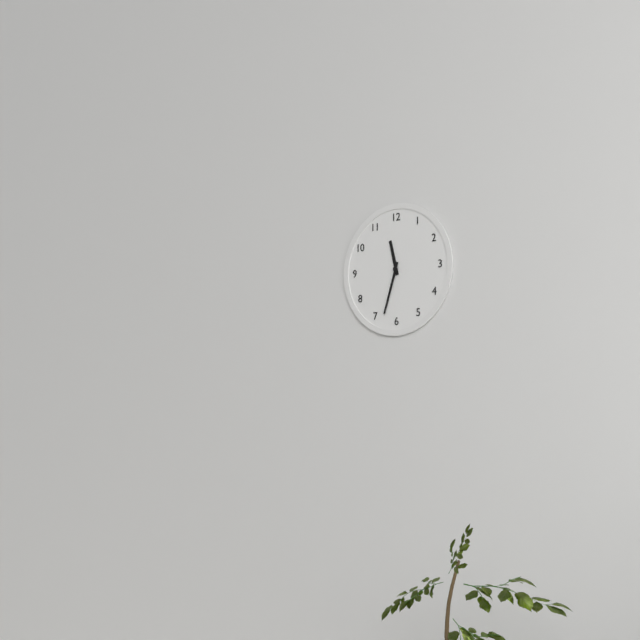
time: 11:33
